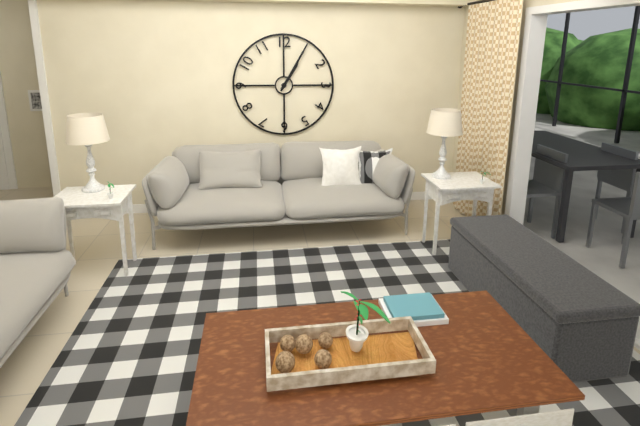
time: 1:05
